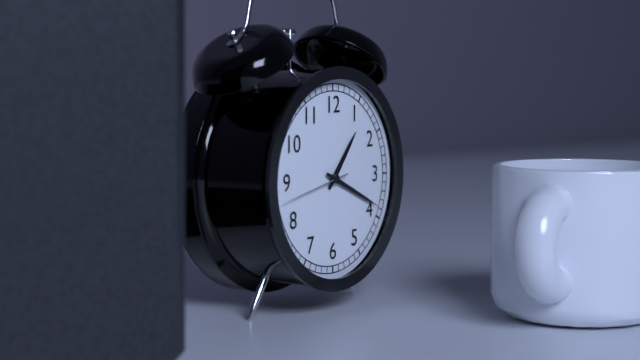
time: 1:19:43
